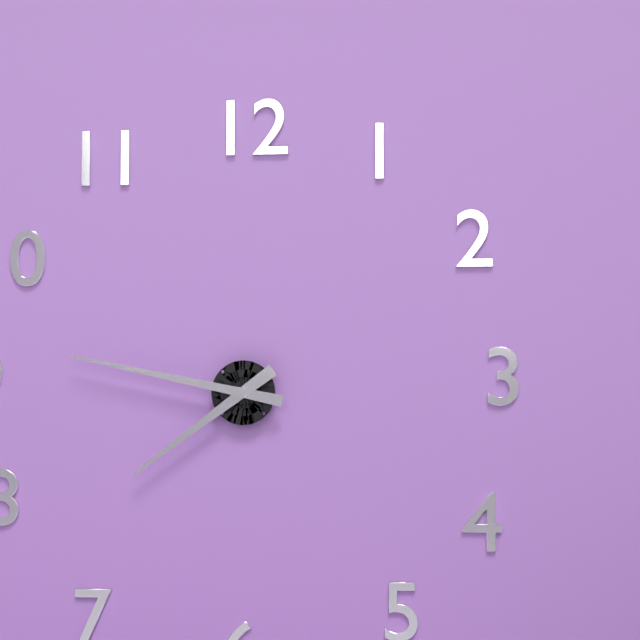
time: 7:47
